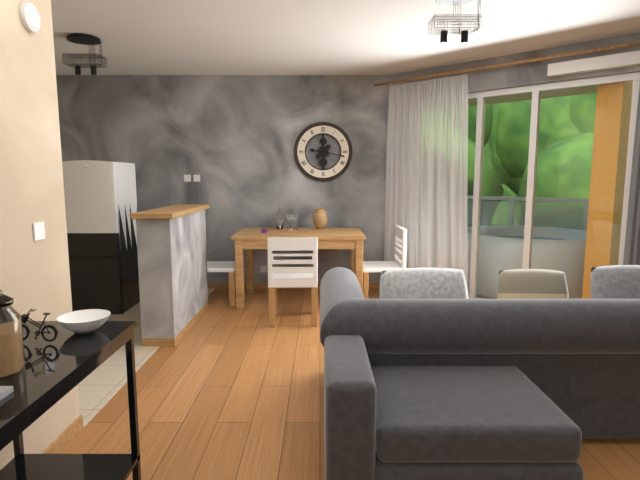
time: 9:17
